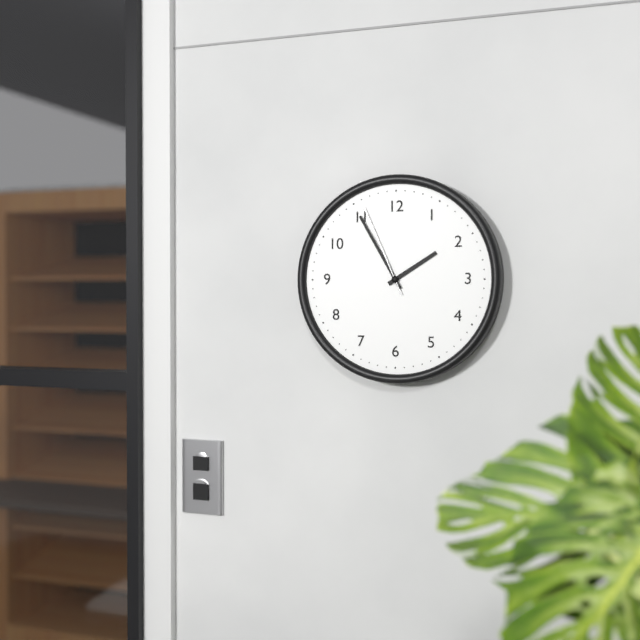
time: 1:55:56
